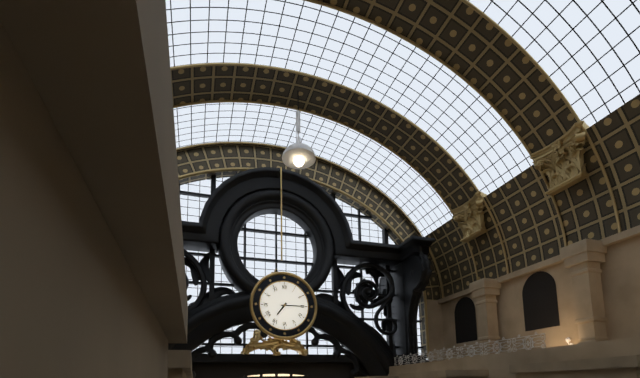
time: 7:15
